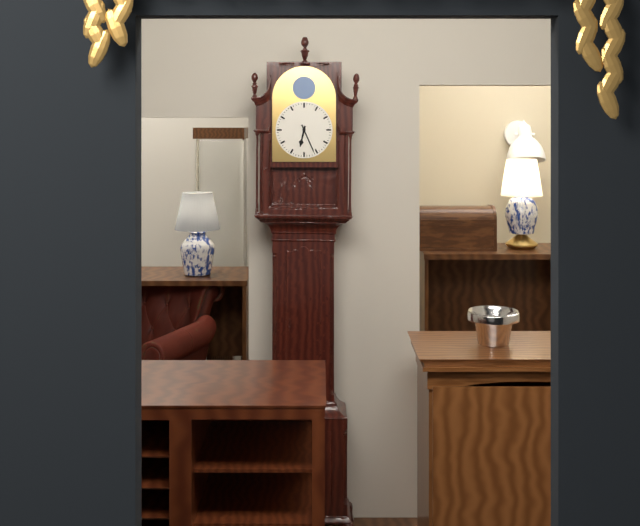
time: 6:26
